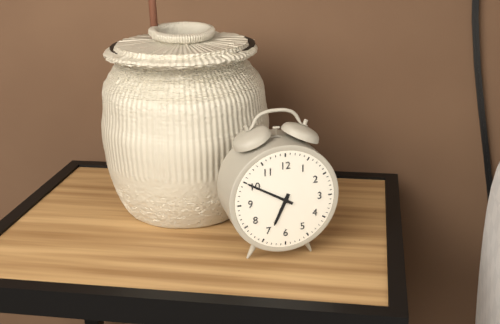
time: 6:50
